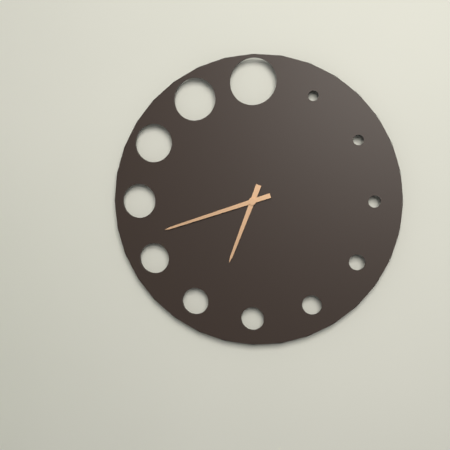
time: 6:42
